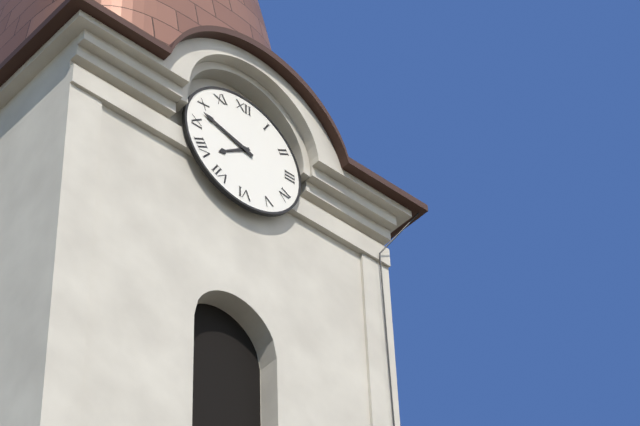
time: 7:48
